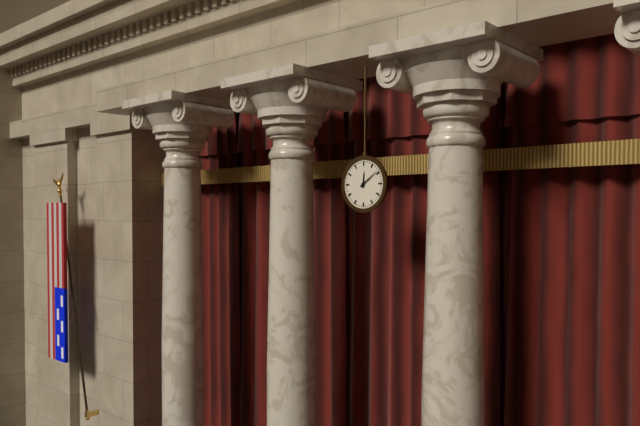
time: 12:09
